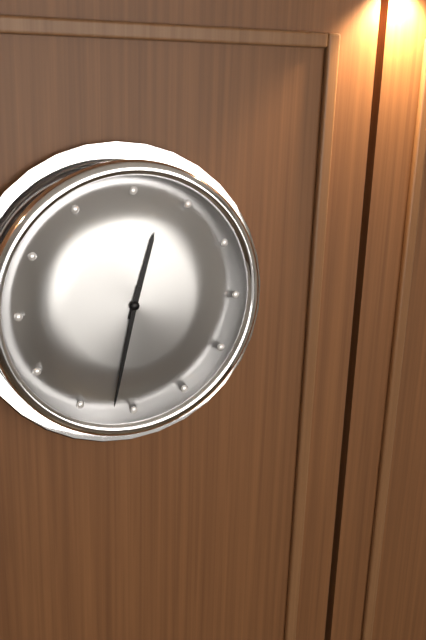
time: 12:32
